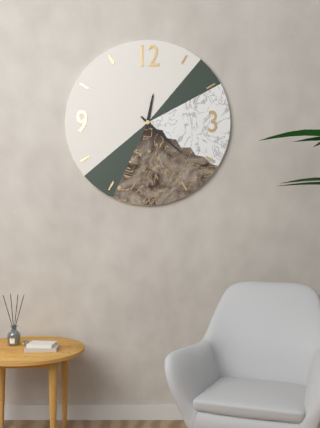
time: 12:22
